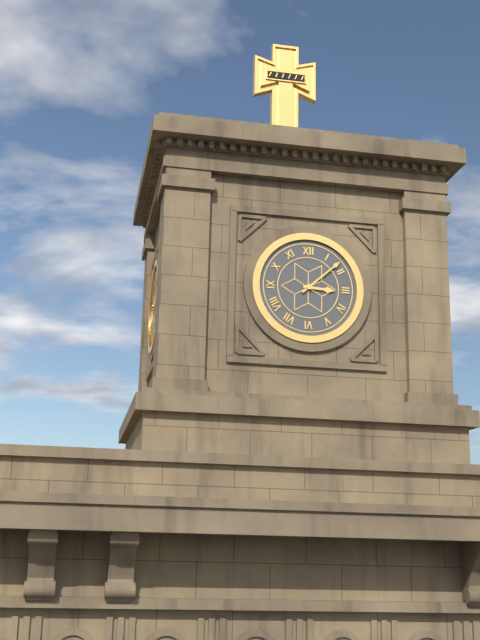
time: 3:08
